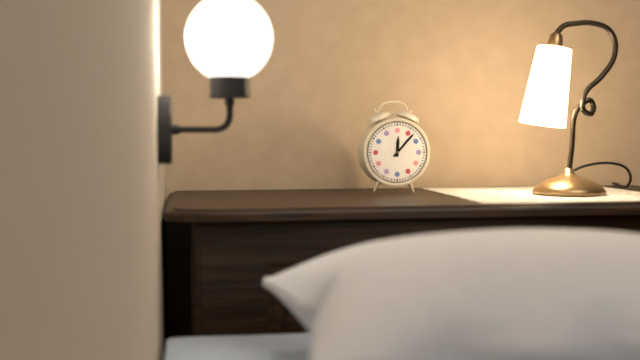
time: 12:07
